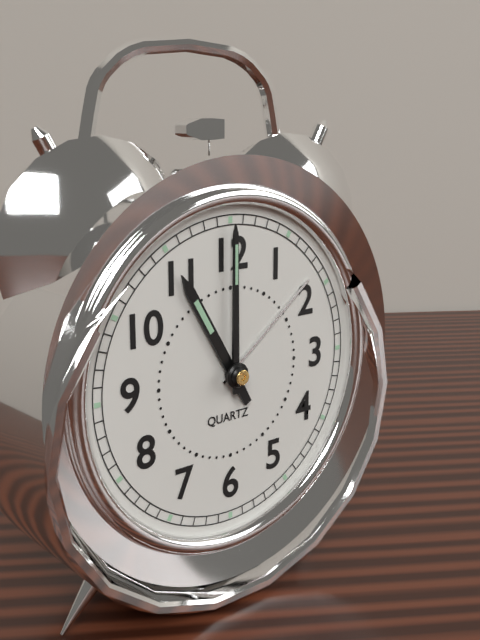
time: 11:00
